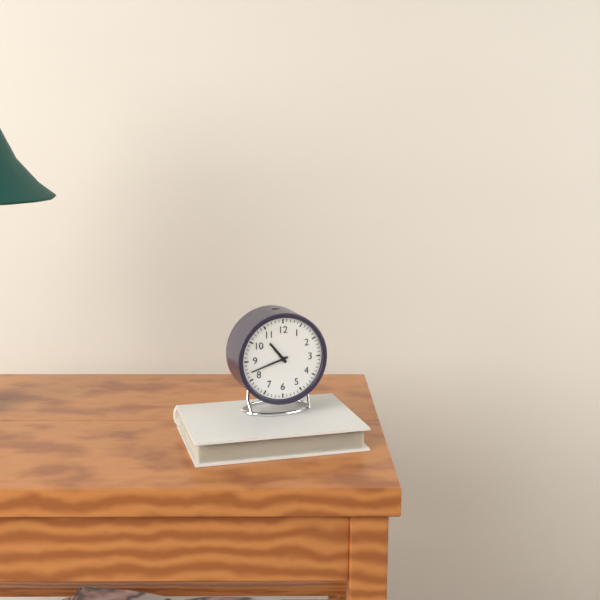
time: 10:42
